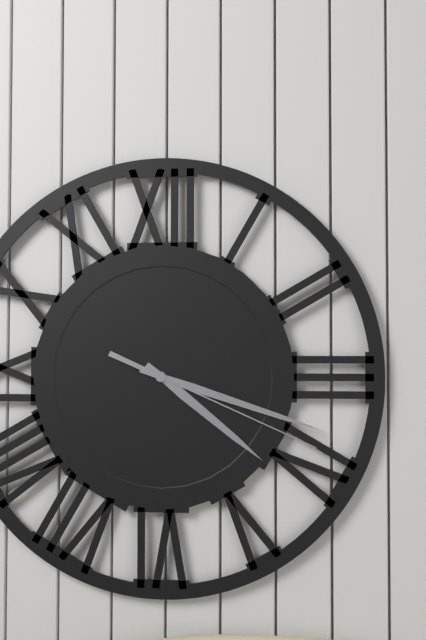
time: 4:18:19
